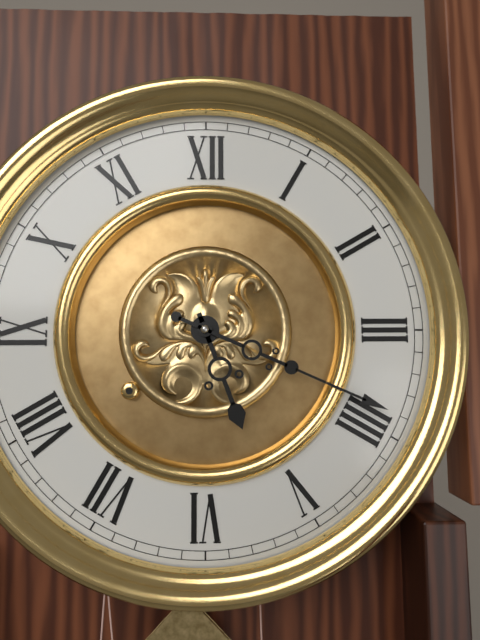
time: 5:19
